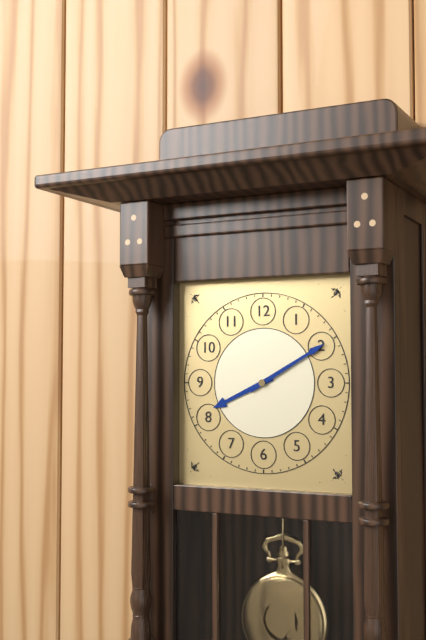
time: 8:10
